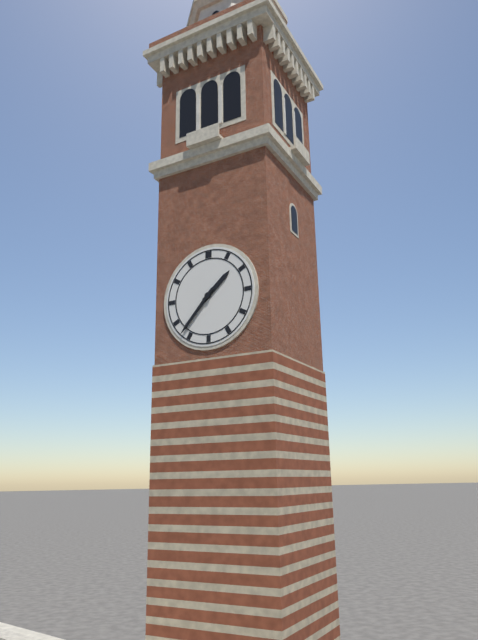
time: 1:37
